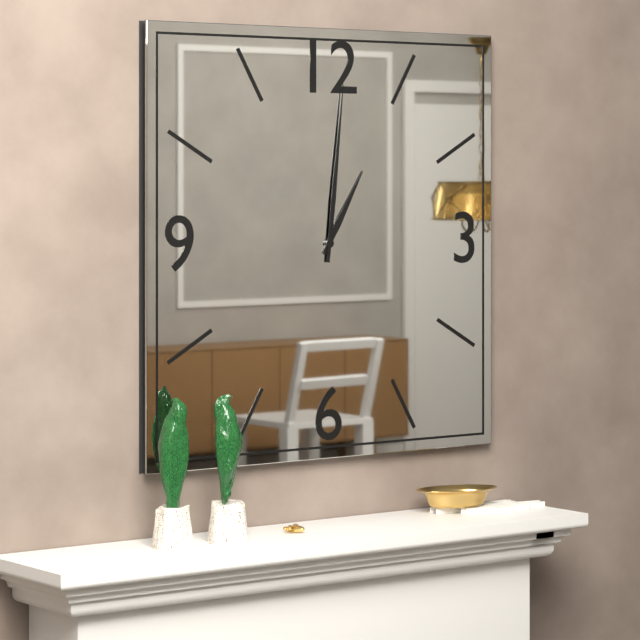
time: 1:01
